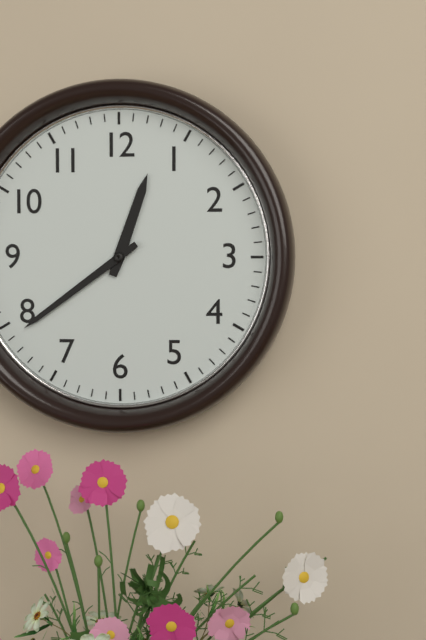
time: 12:39
